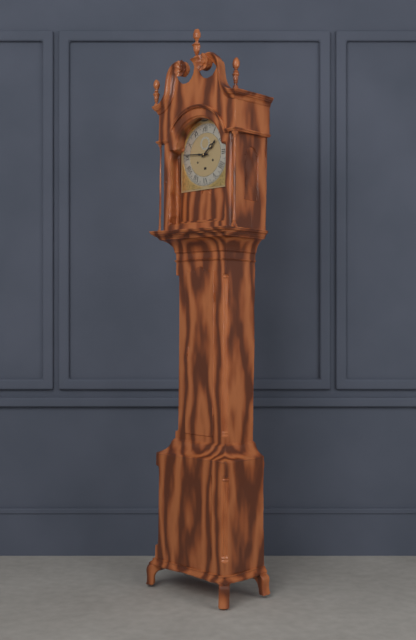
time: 1:46
